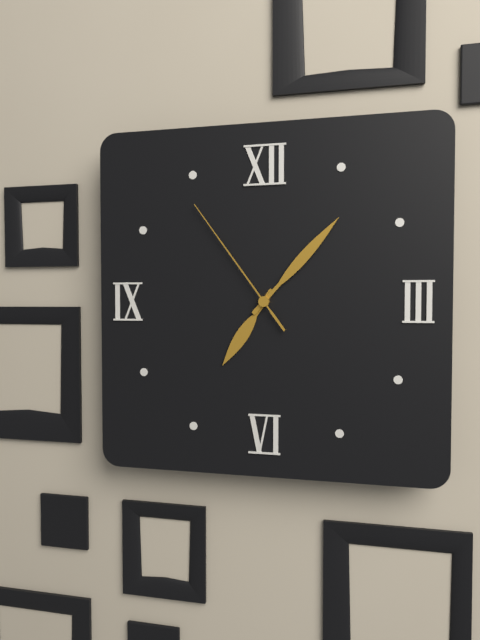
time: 7:07:54
